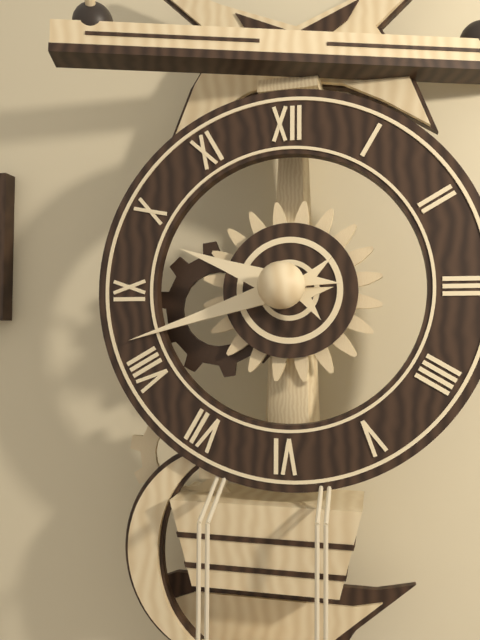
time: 9:42
